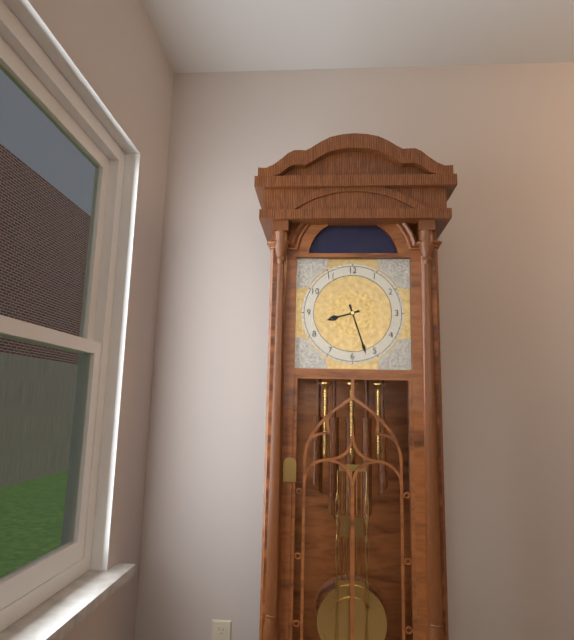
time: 8:27
